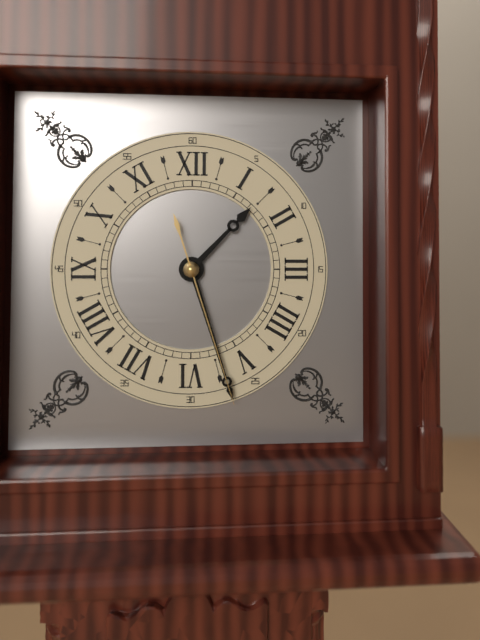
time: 1:27:27
